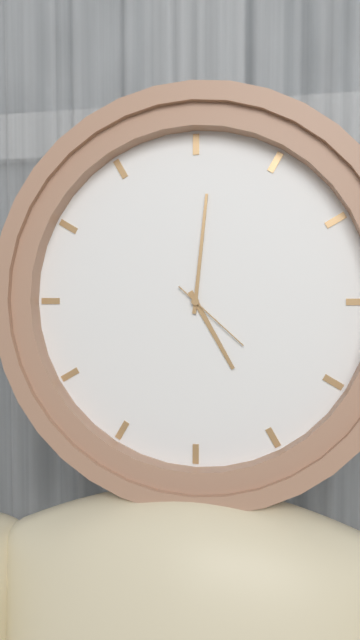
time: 5:01:22
